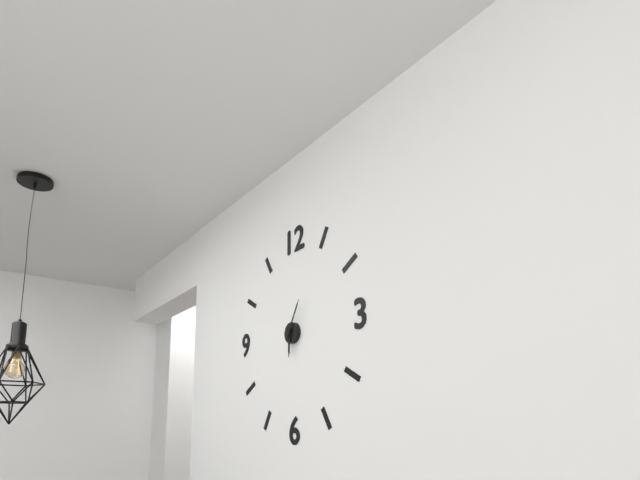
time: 6:05
